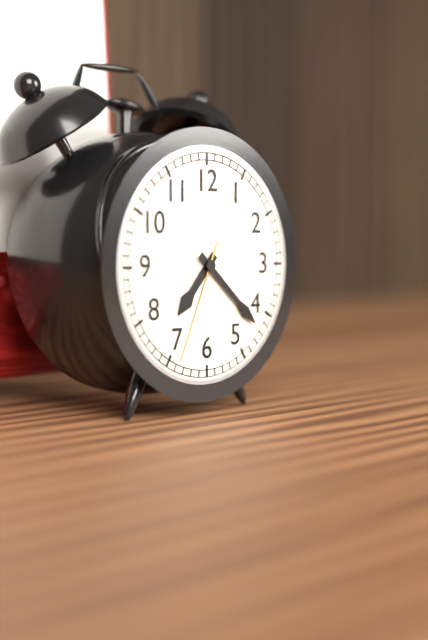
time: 7:22:34
